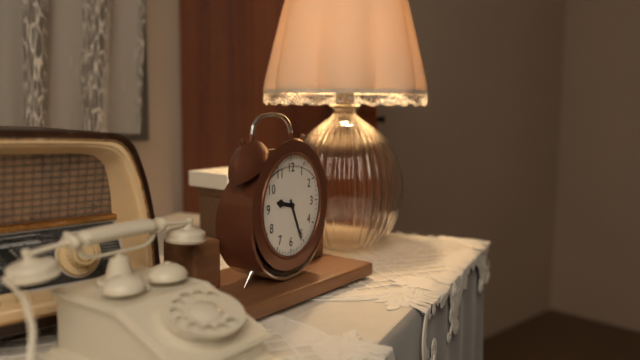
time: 9:26
